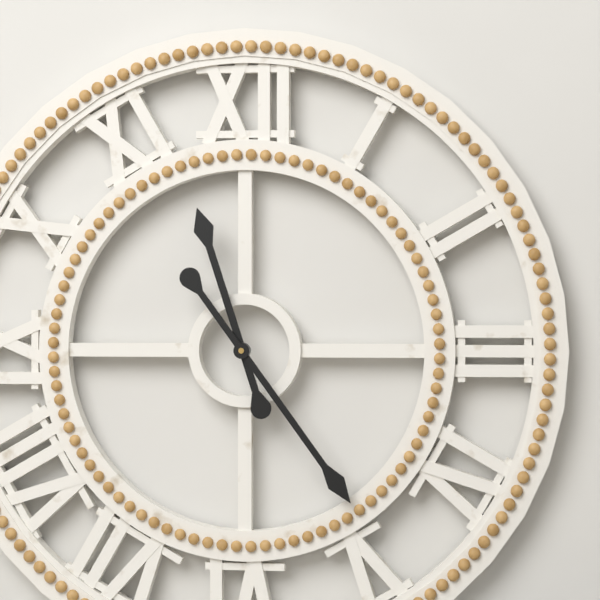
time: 11:24
